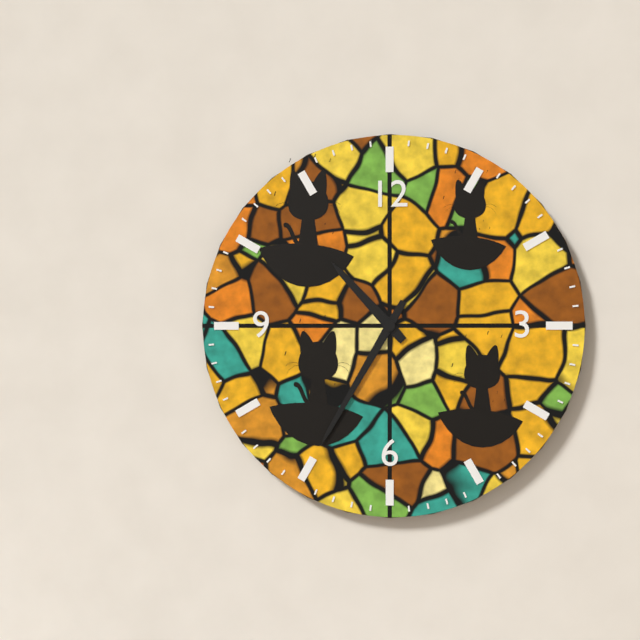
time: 10:35
